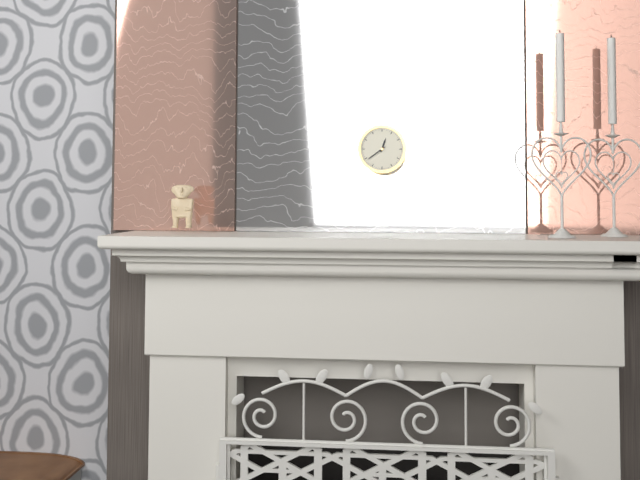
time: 12:39
